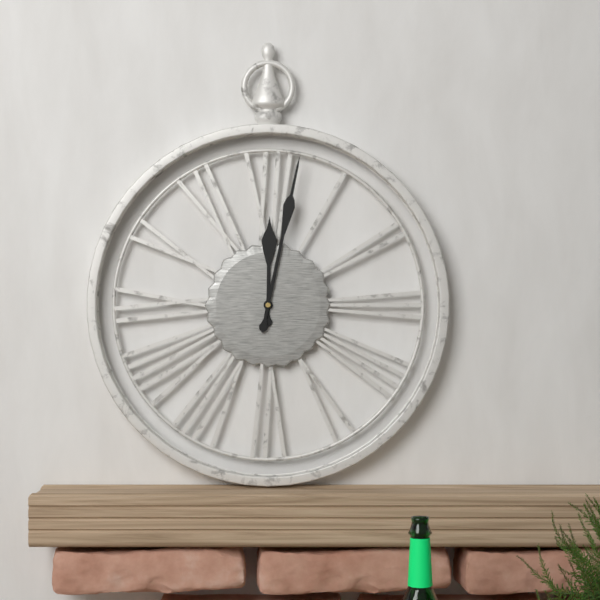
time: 12:02
